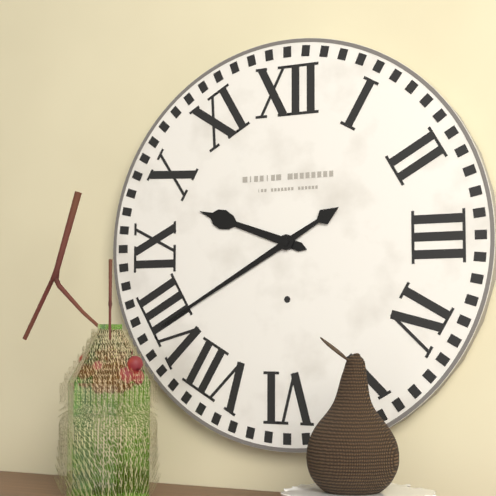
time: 9:40
